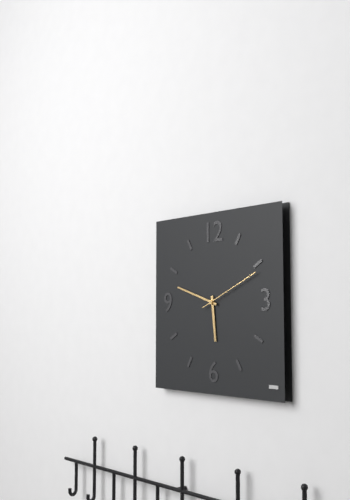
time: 5:48:11
